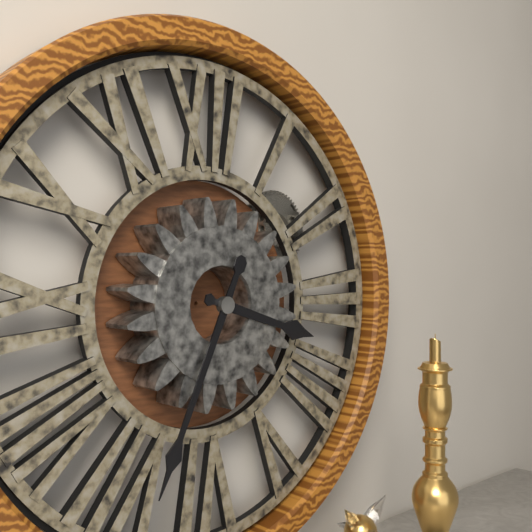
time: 3:34
